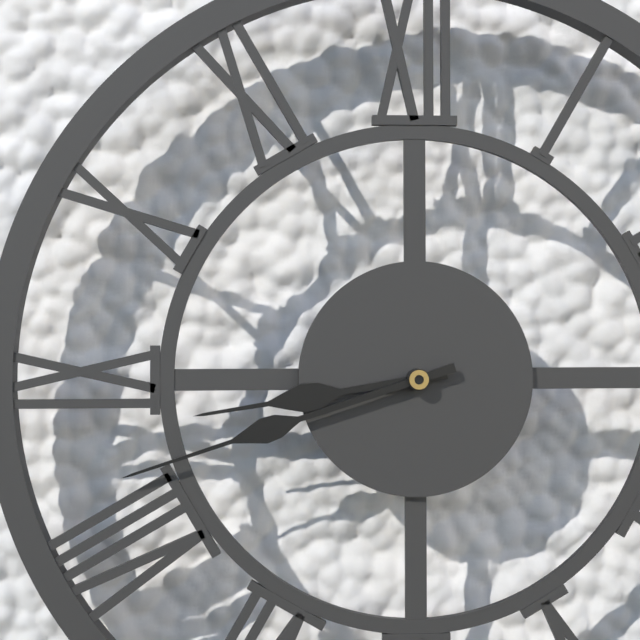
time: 8:42
